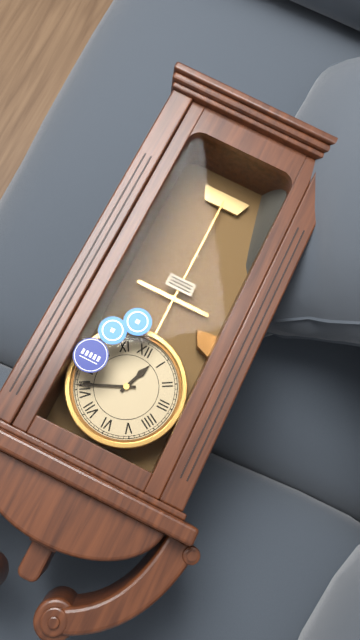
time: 12:41
